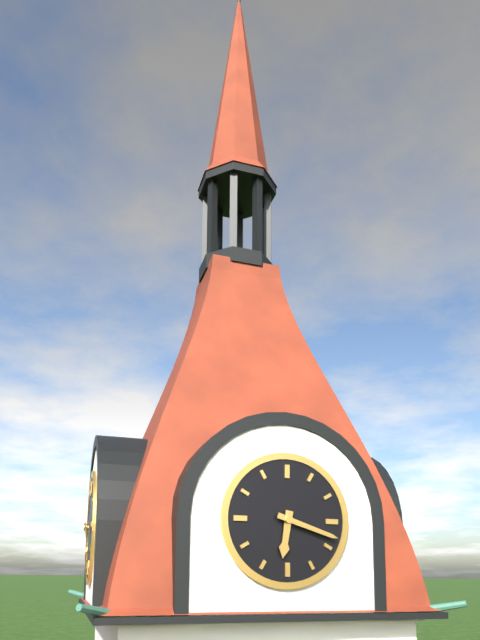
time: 6:18
